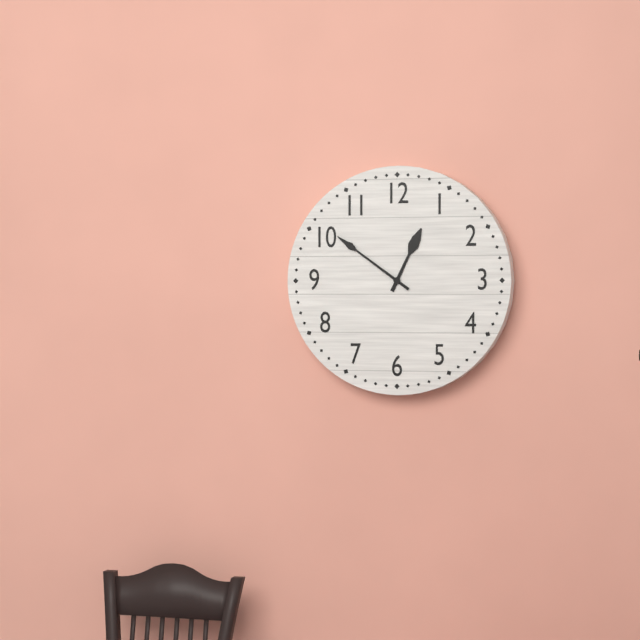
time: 12:51
